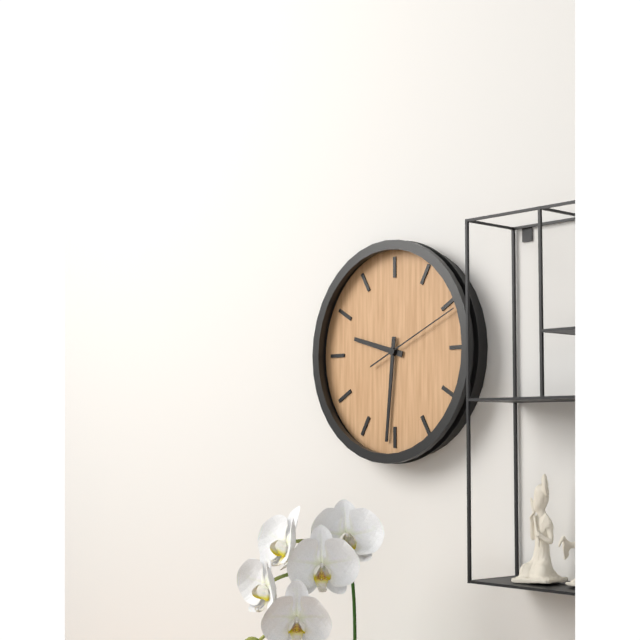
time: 9:31:11
